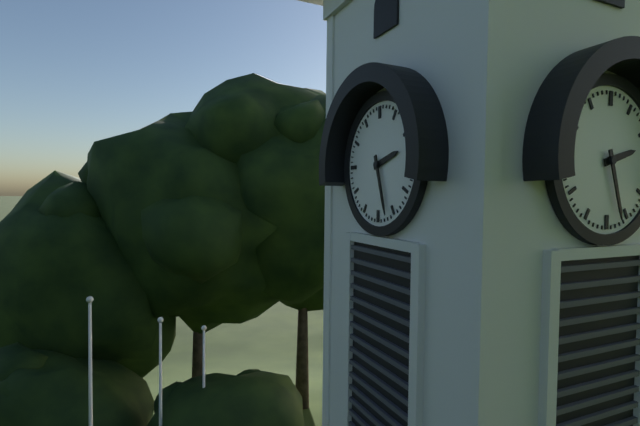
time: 2:27
